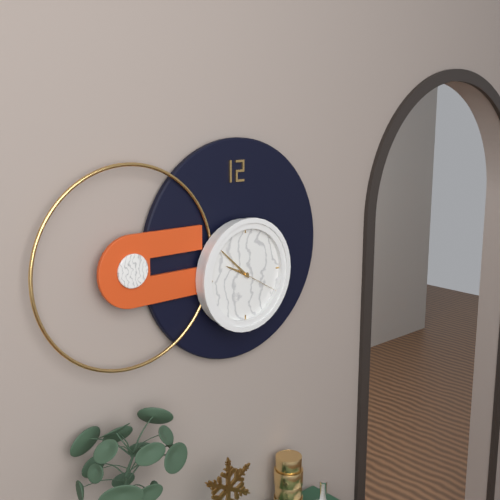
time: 9:52
